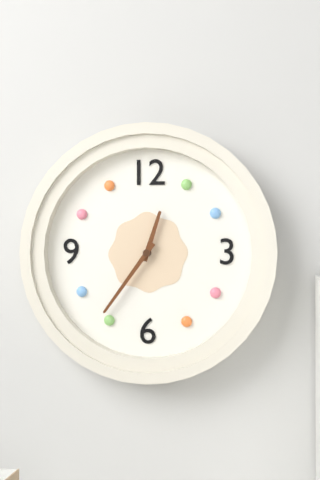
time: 12:36
